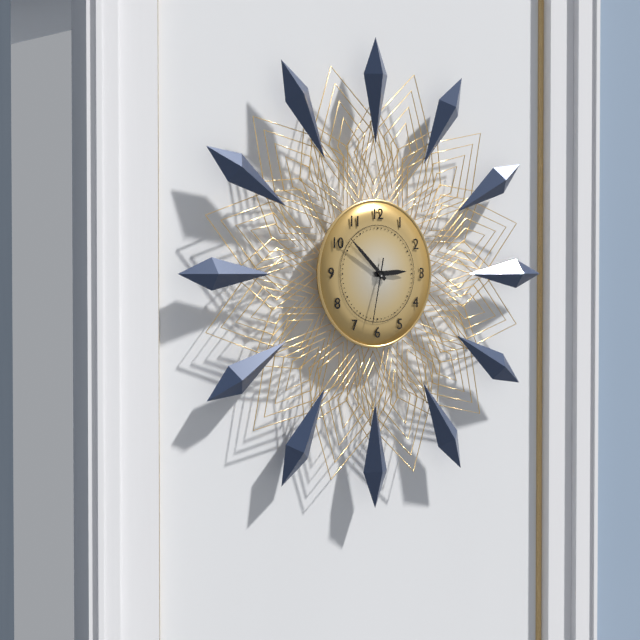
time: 2:52:32
